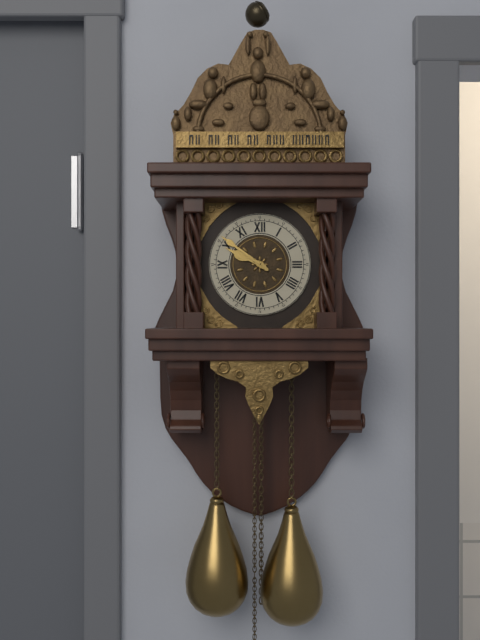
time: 9:51
